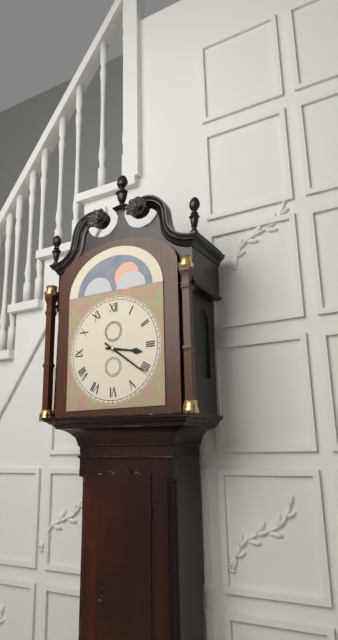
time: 3:21
